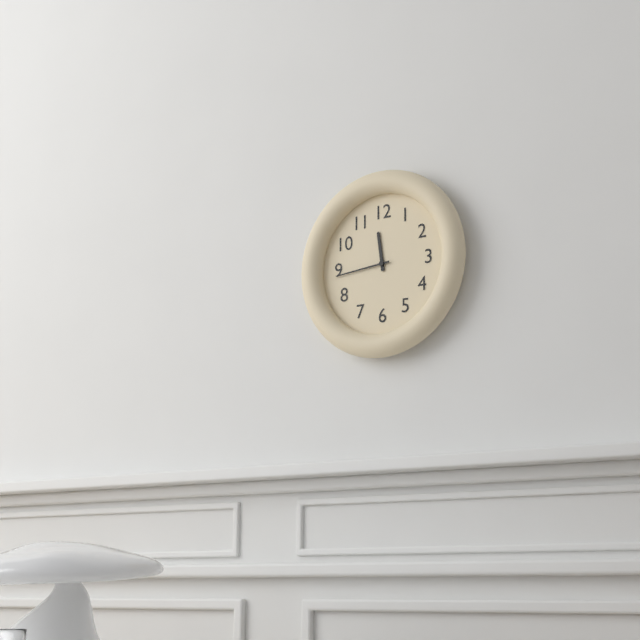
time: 11:44
